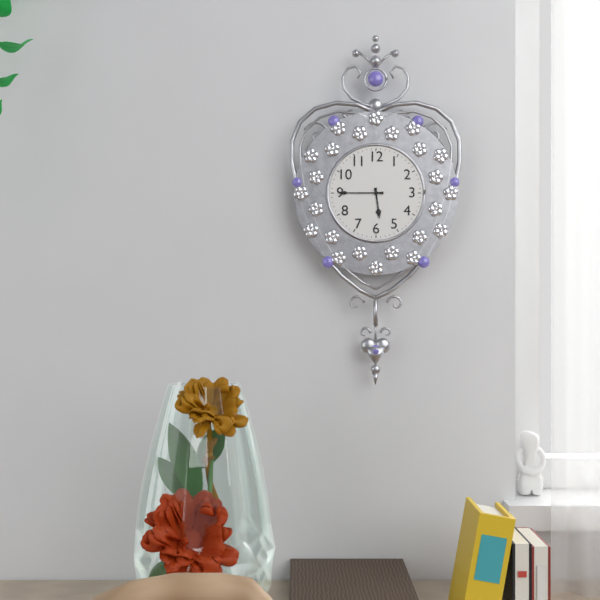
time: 5:45
